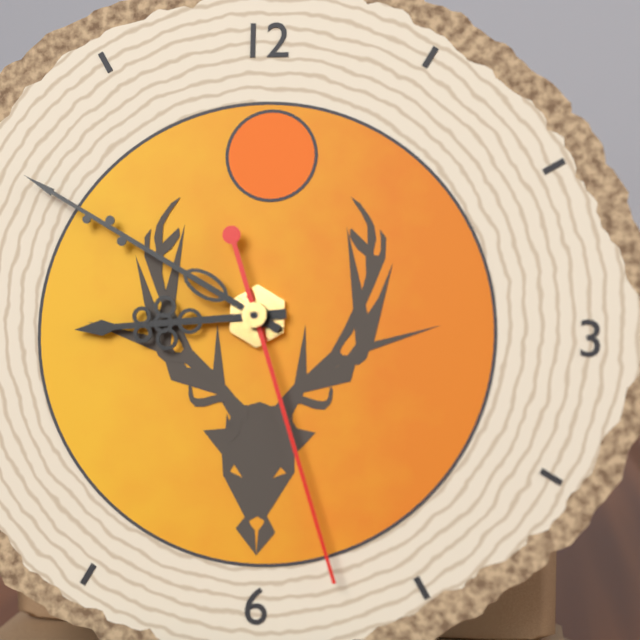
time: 8:50:27
